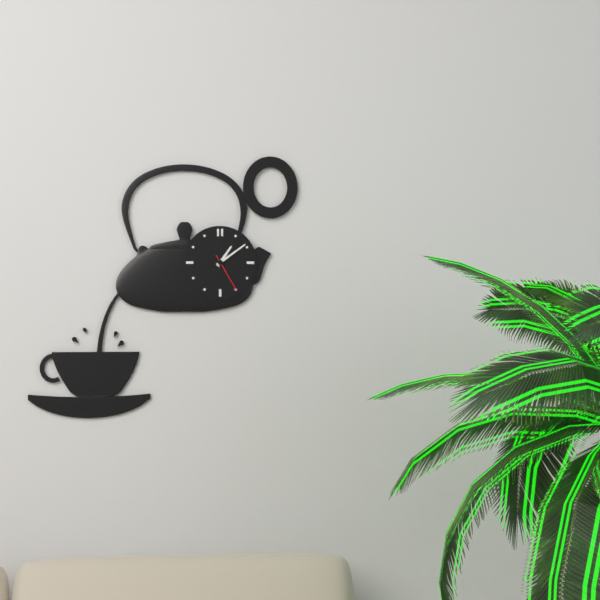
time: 1:09
